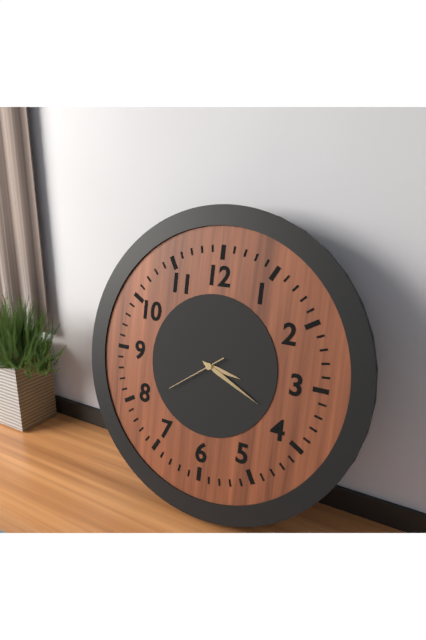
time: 3:19:39
